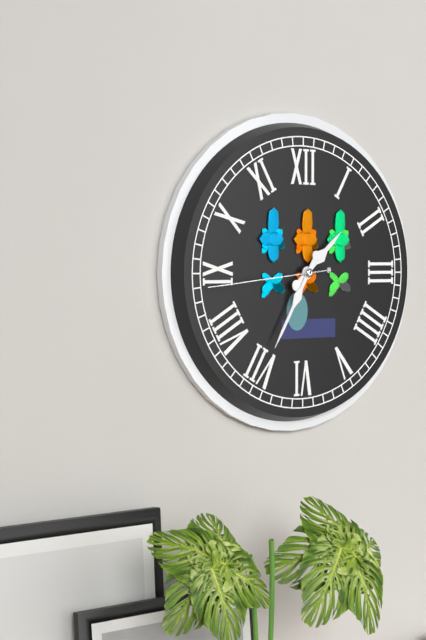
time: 1:35:44
